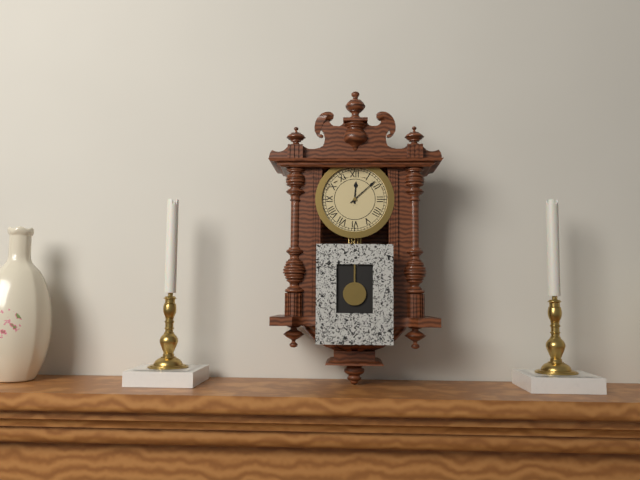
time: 12:08
